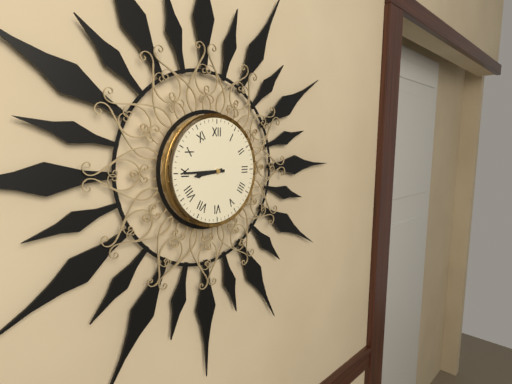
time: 8:45
